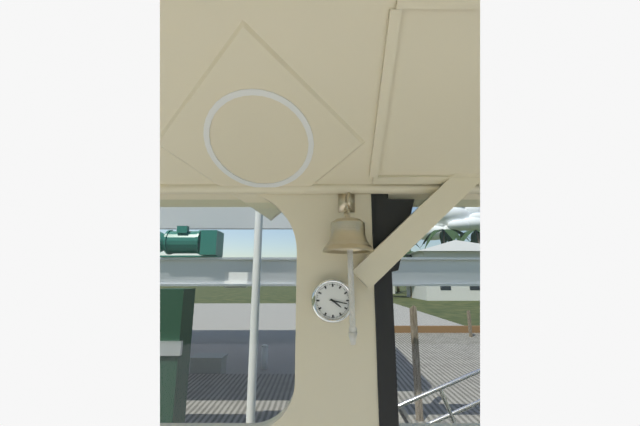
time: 4:17
